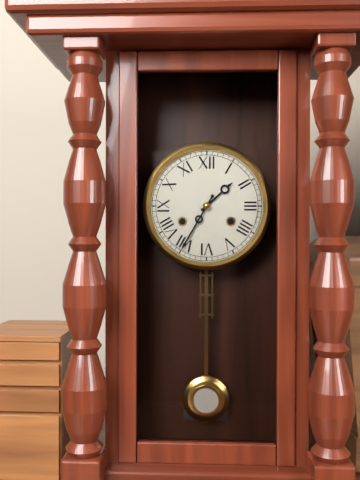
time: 1:35
